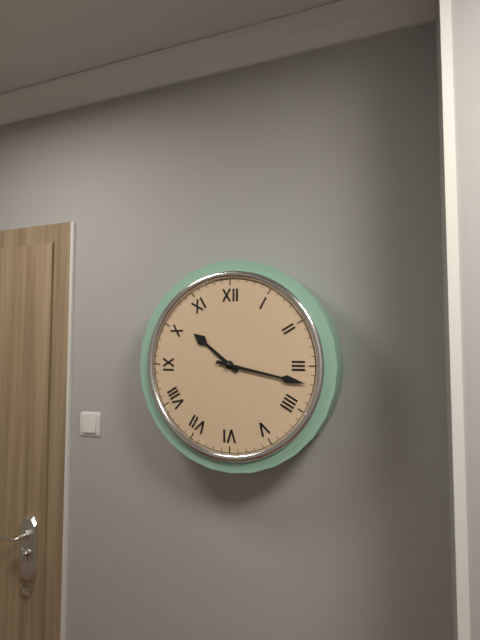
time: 10:17
